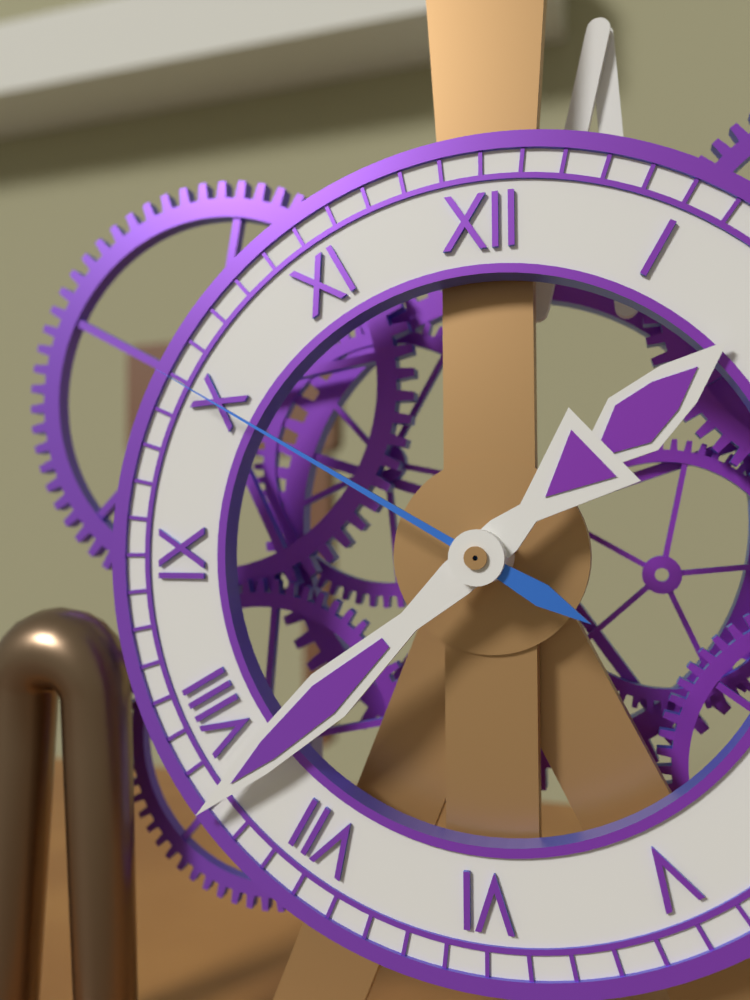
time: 1:38:50
